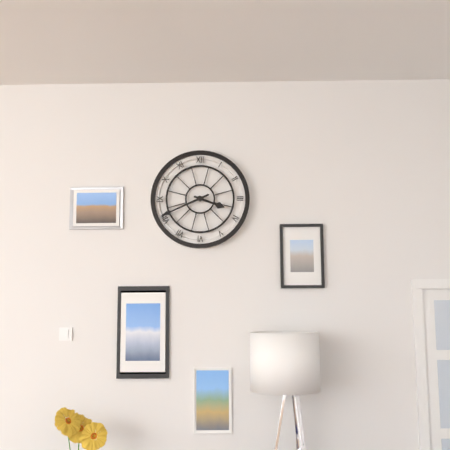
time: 3:41
